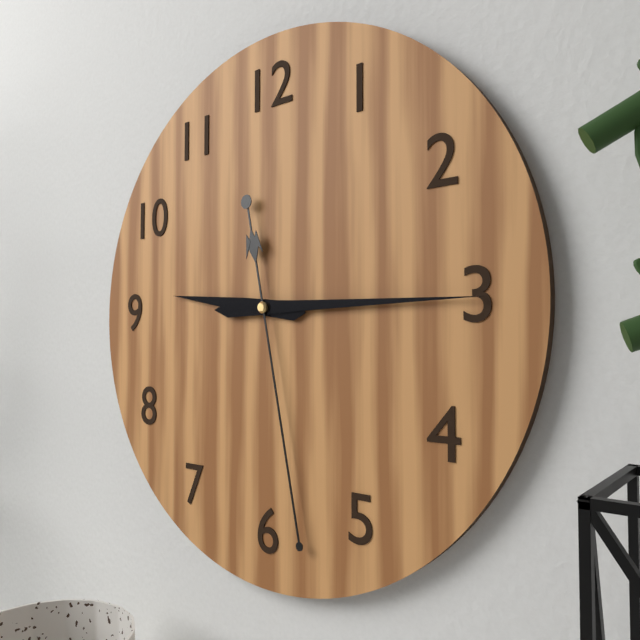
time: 9:15:28
